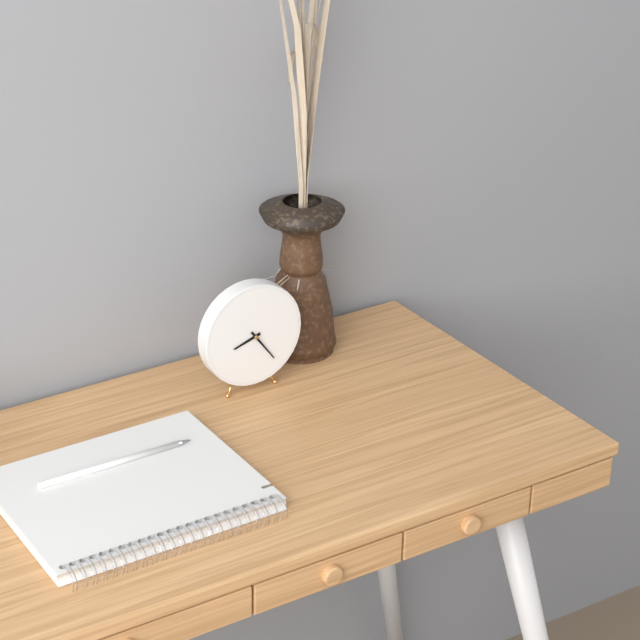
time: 8:24
